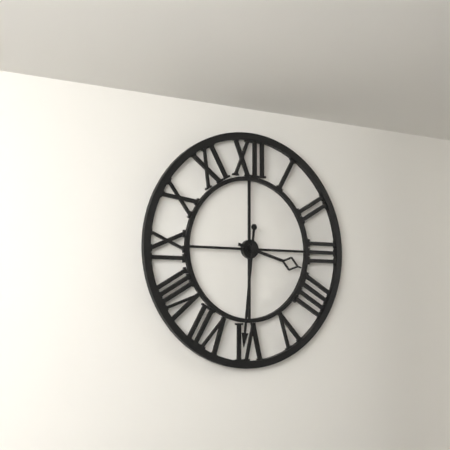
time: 3:31
